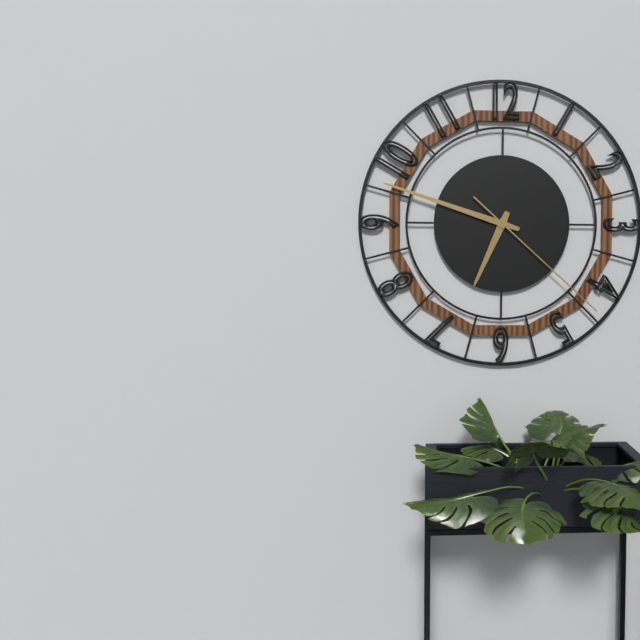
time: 6:48:22
